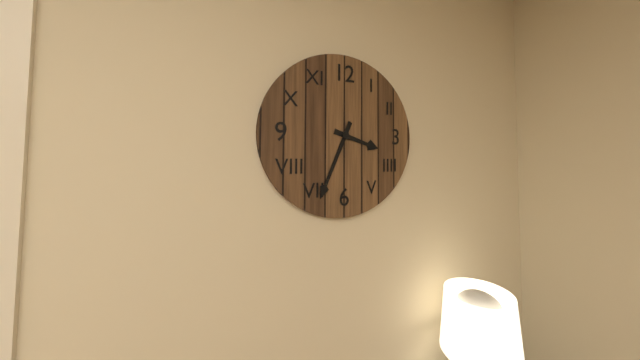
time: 3:34
